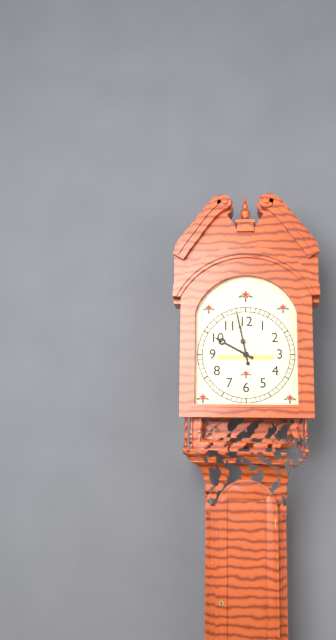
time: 9:58
